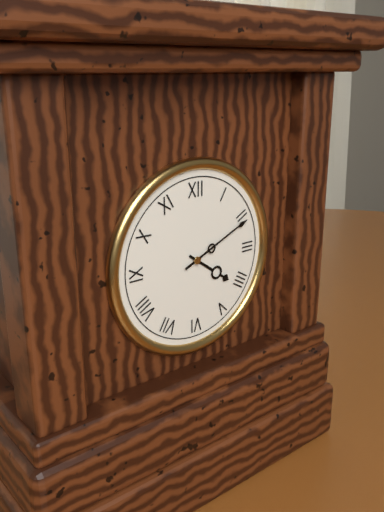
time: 4:11
